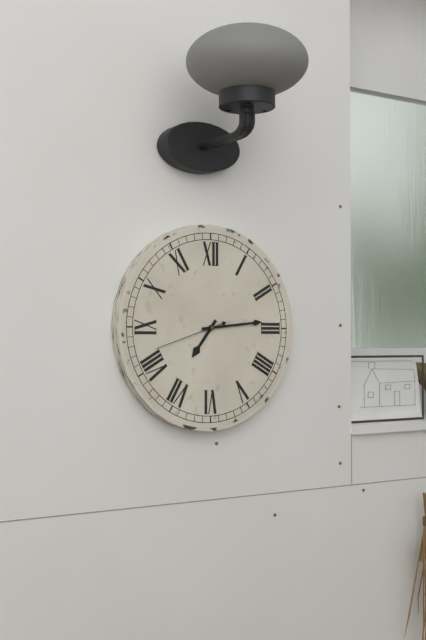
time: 7:14:42
